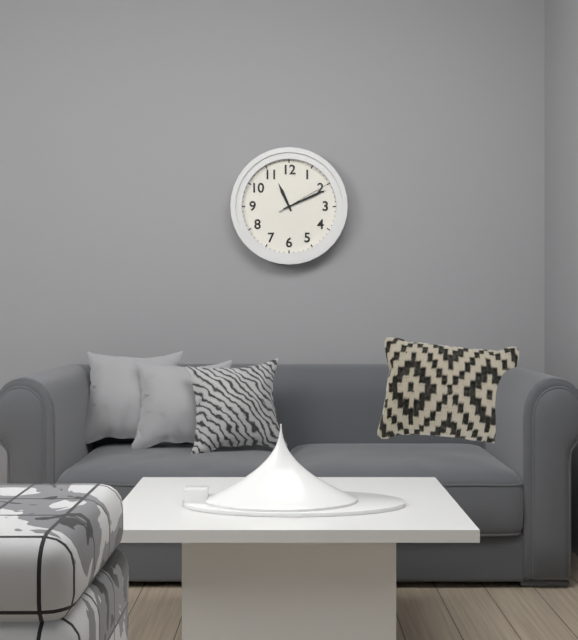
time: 11:11:10
